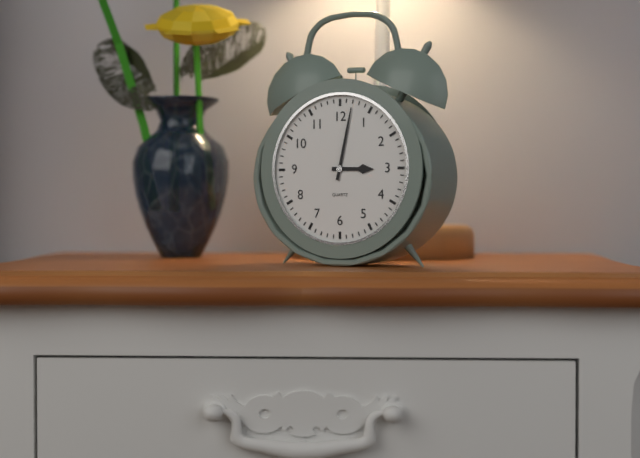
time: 3:02
